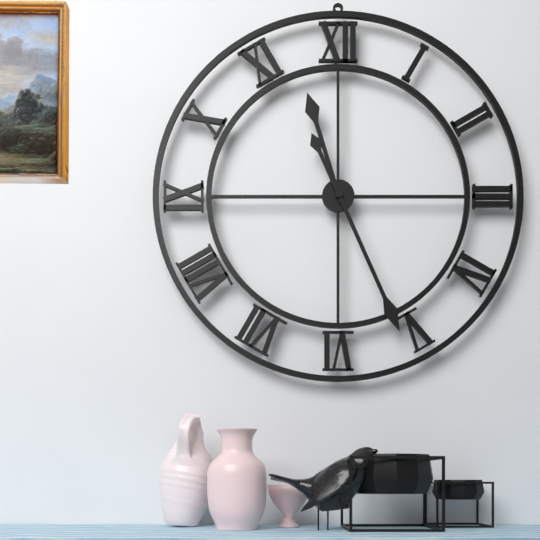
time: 11:26
